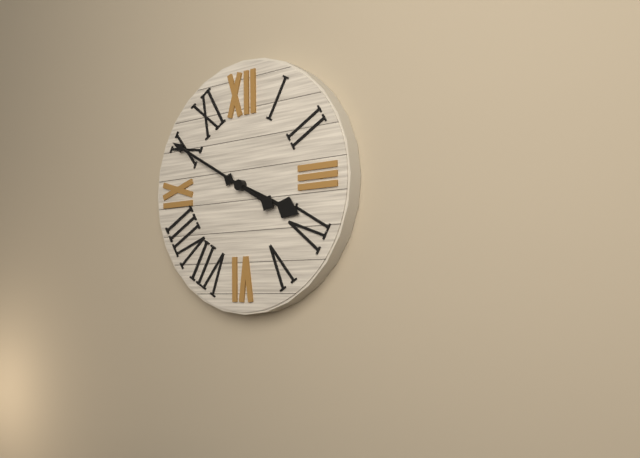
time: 3:50
